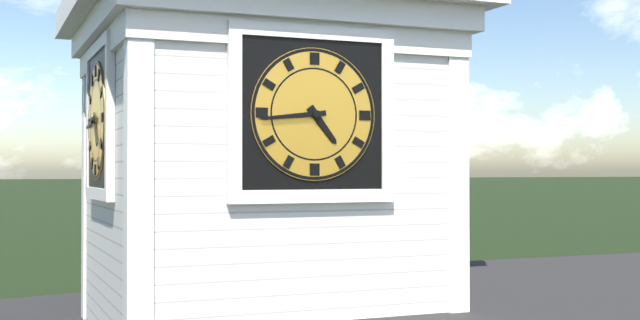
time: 4:44
